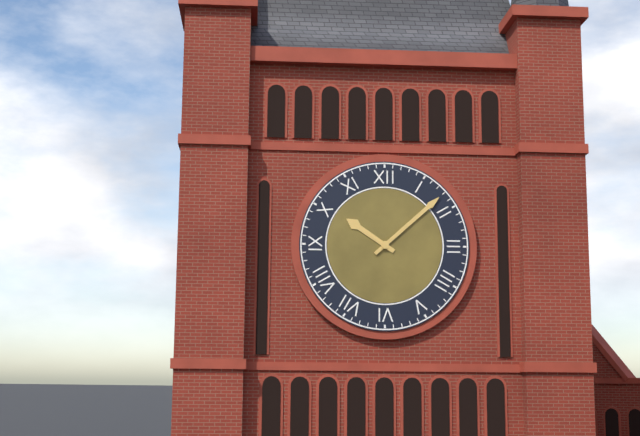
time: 10:08
